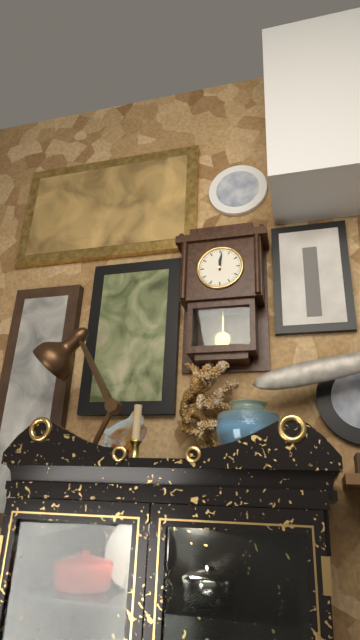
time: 12:01
